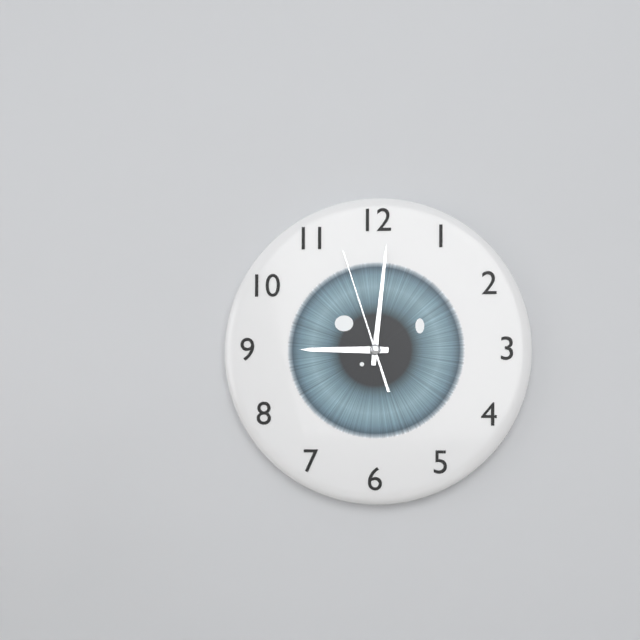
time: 9:01:57
